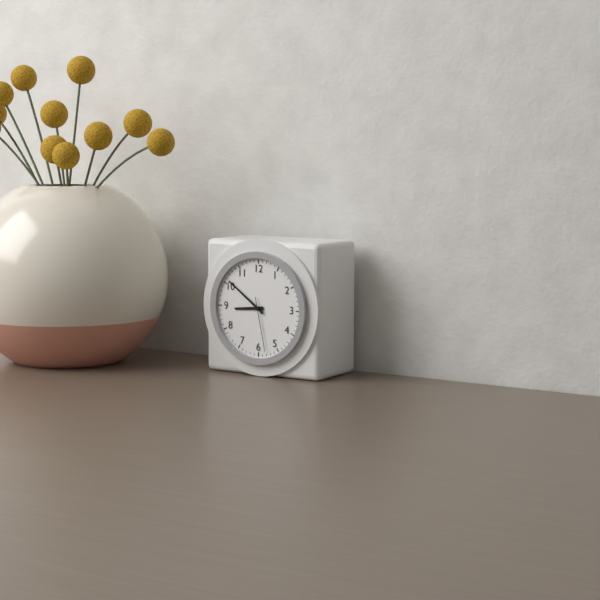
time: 8:51:28
